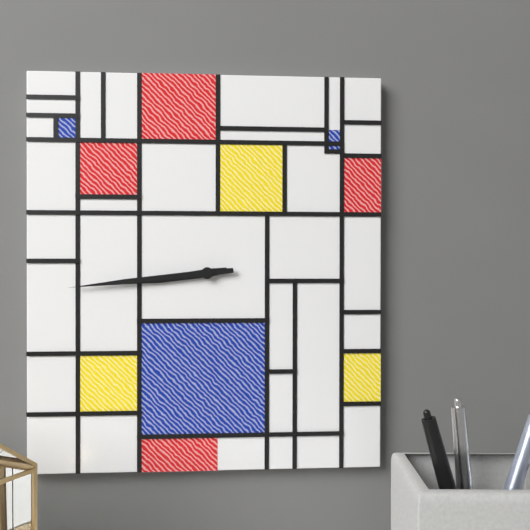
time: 8:44
